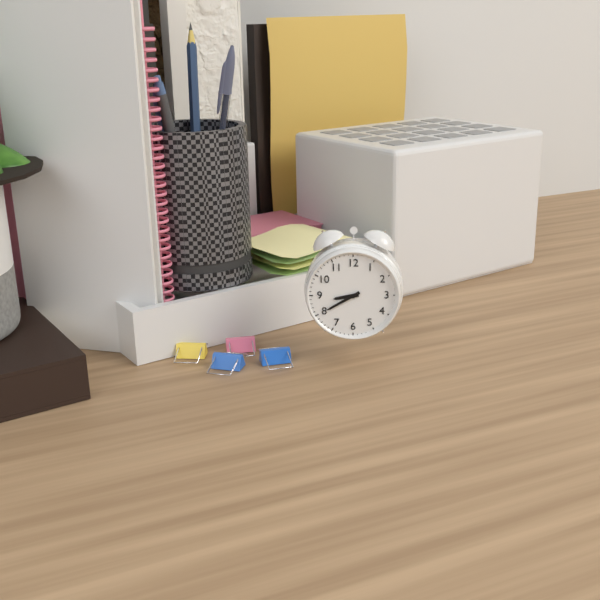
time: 8:40
